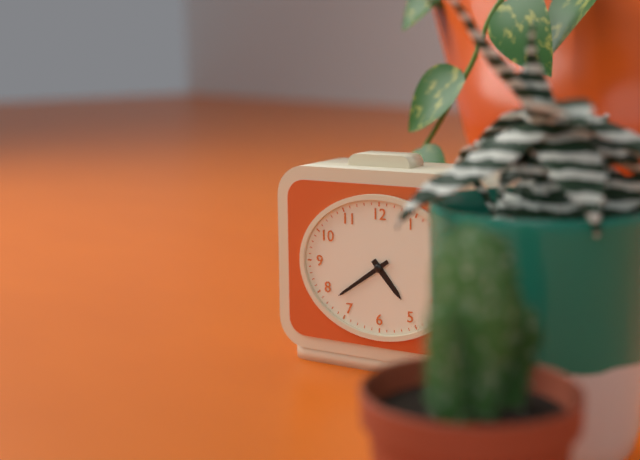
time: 4:39
